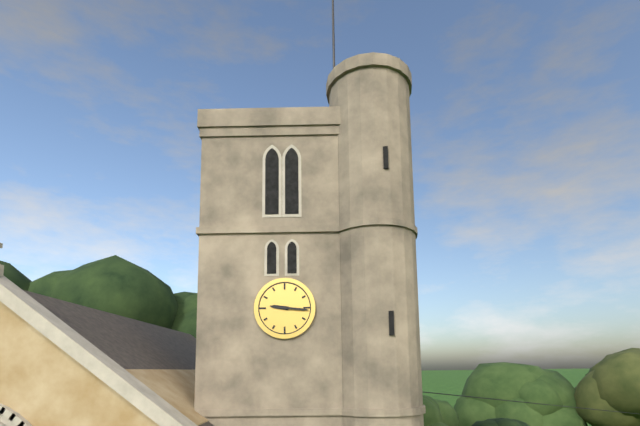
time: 9:16
